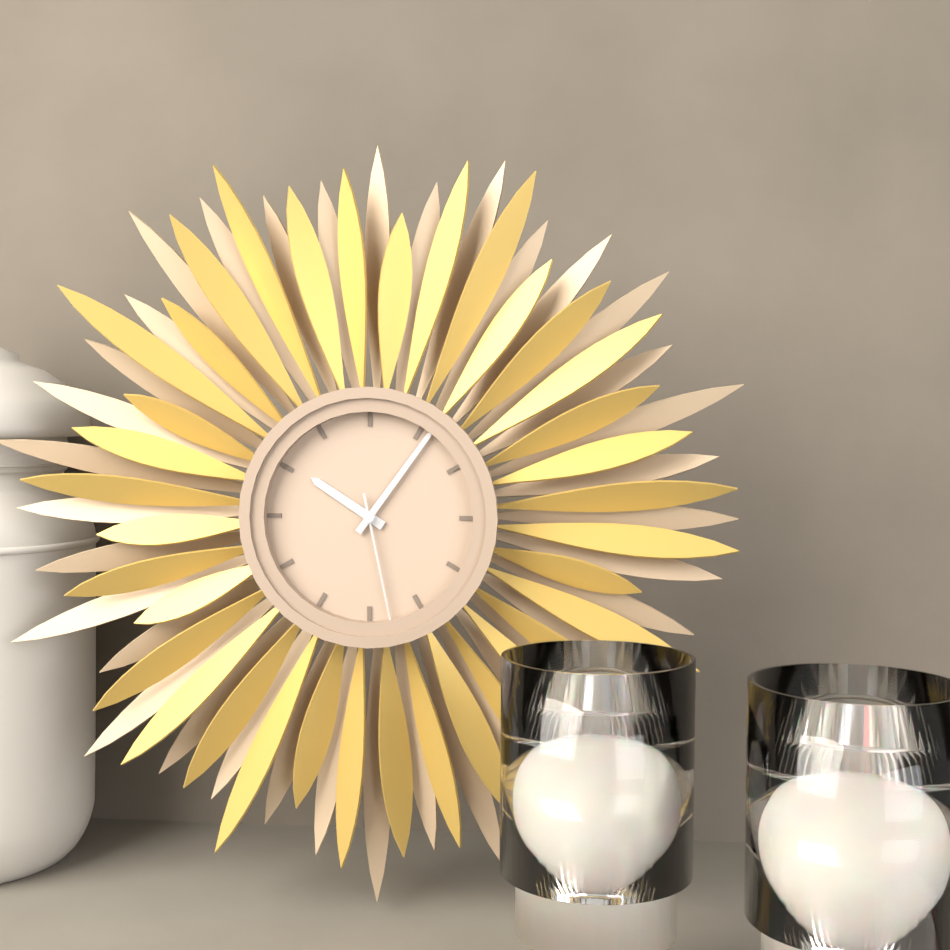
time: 10:06:28
